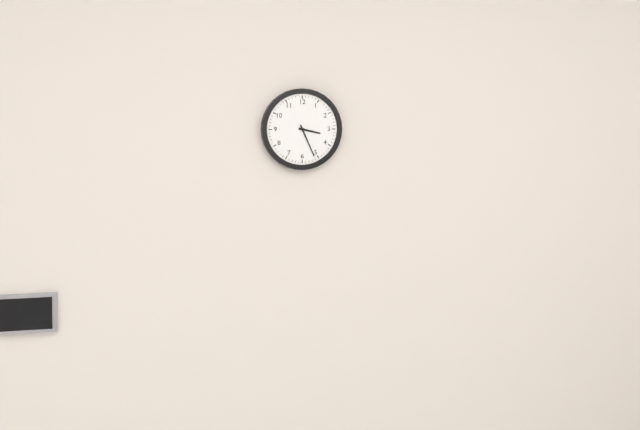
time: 3:26
